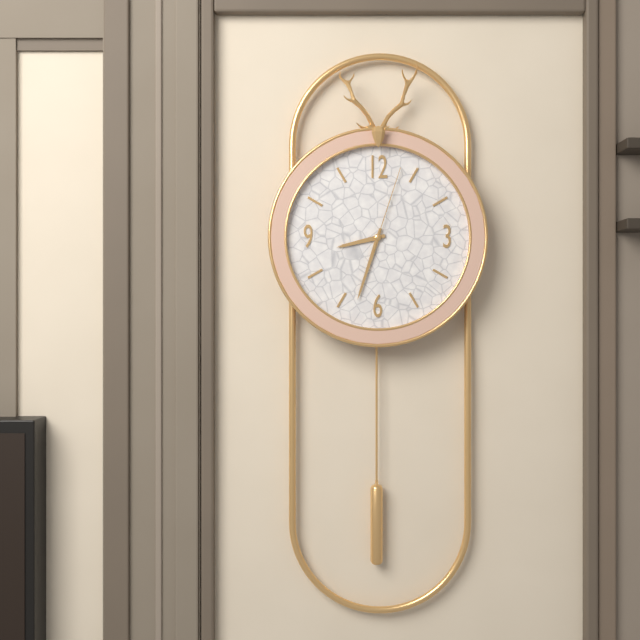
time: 8:33:03
